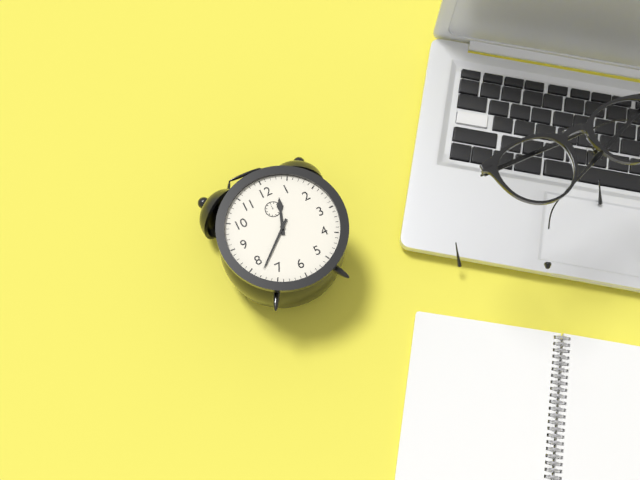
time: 12:38
